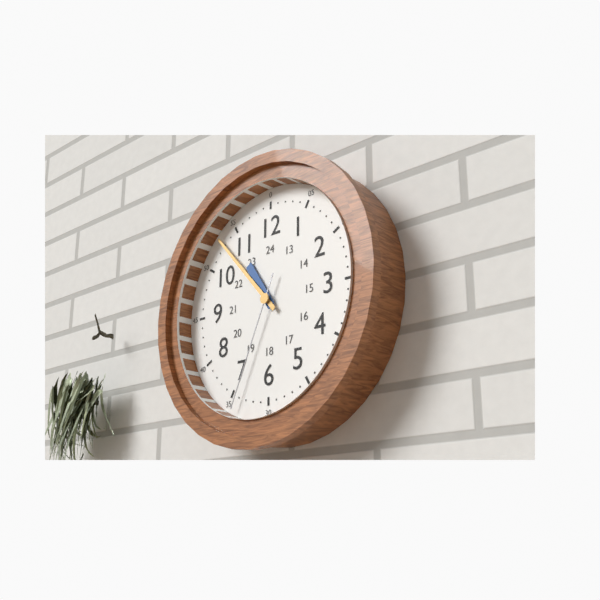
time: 10:53:34
